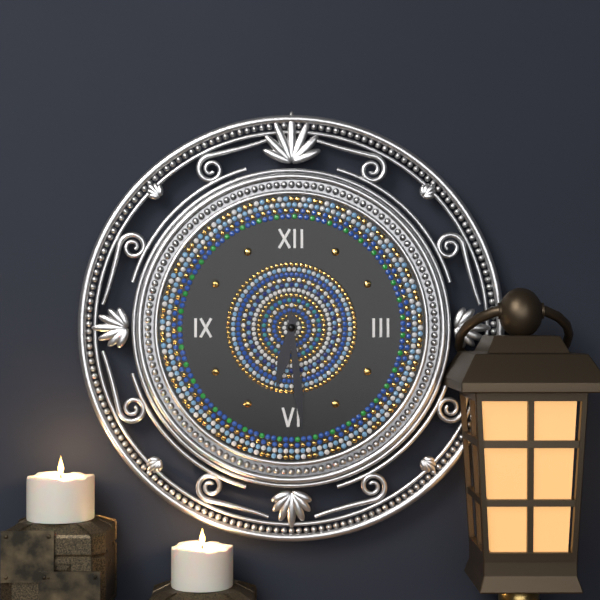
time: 6:29
